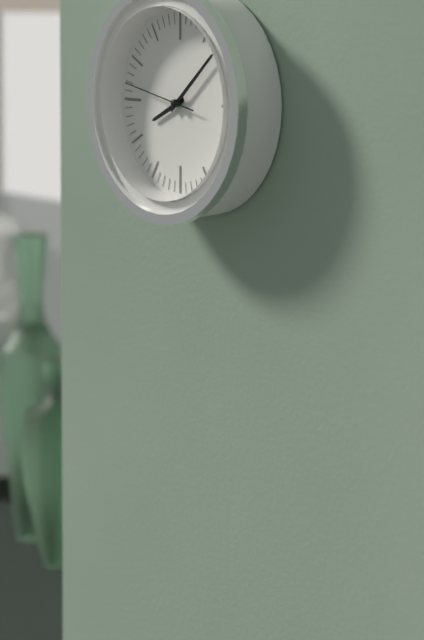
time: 8:08:47
